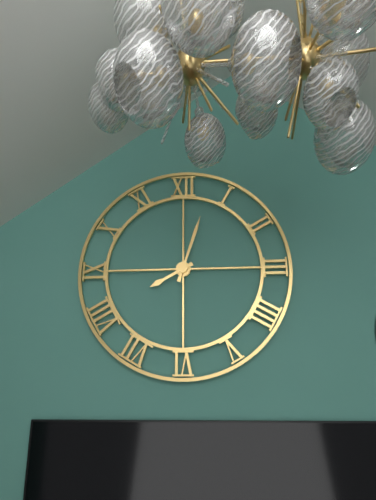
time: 8:03
